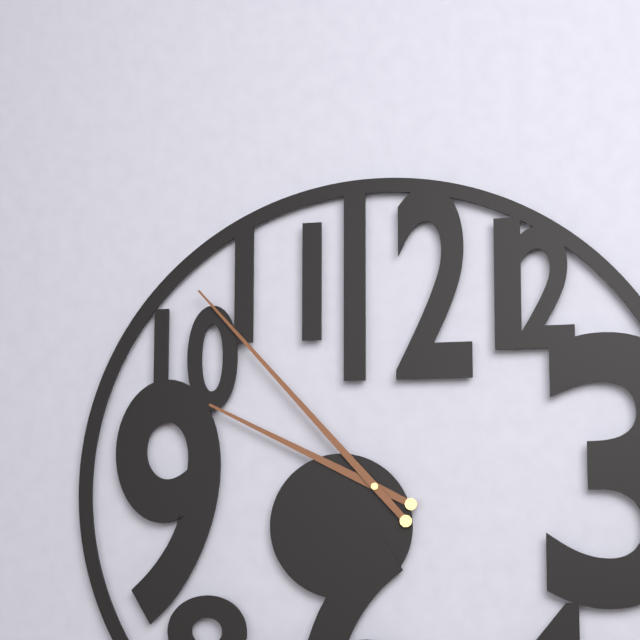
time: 9:53
